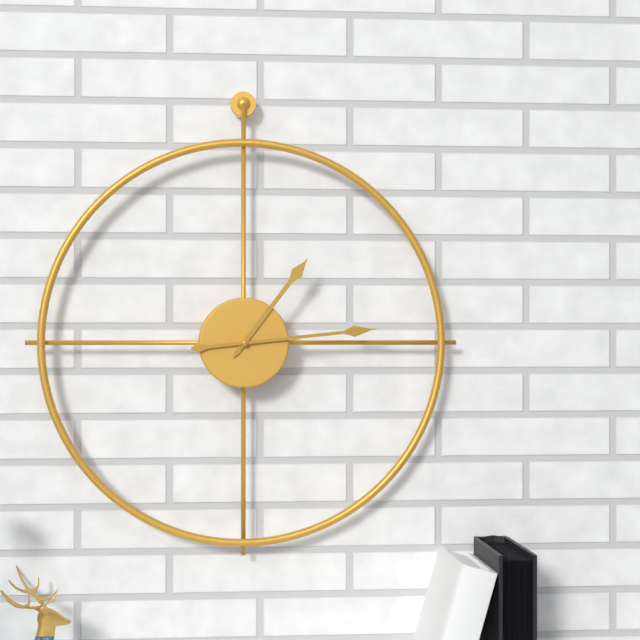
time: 1:14
